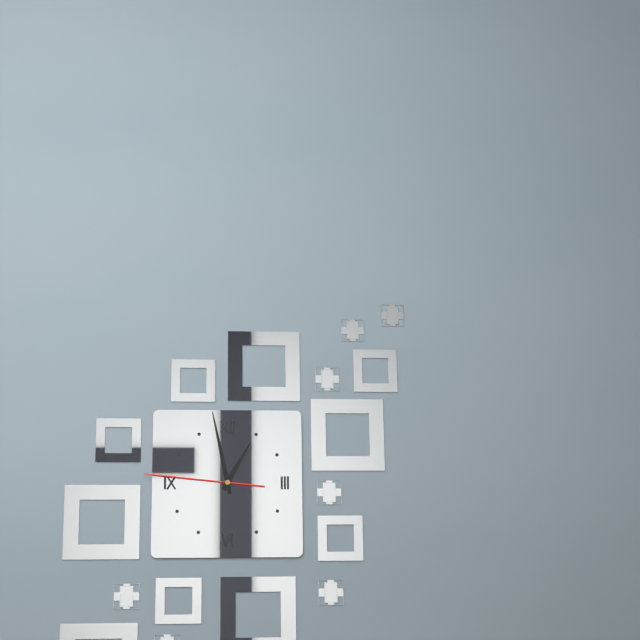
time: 12:58:46
